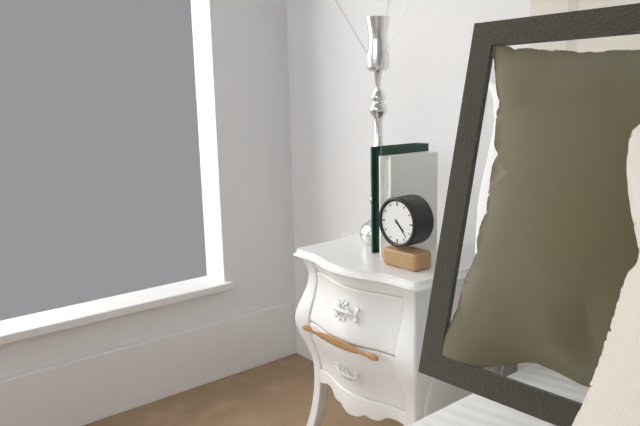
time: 4:23
